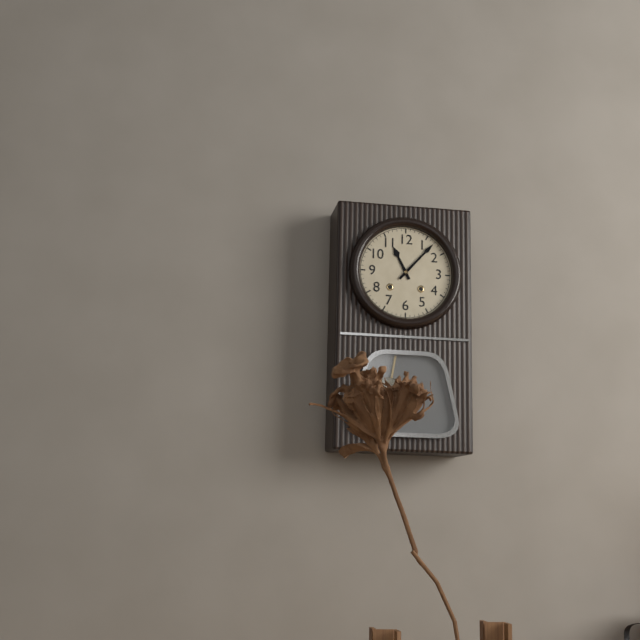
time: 11:07
